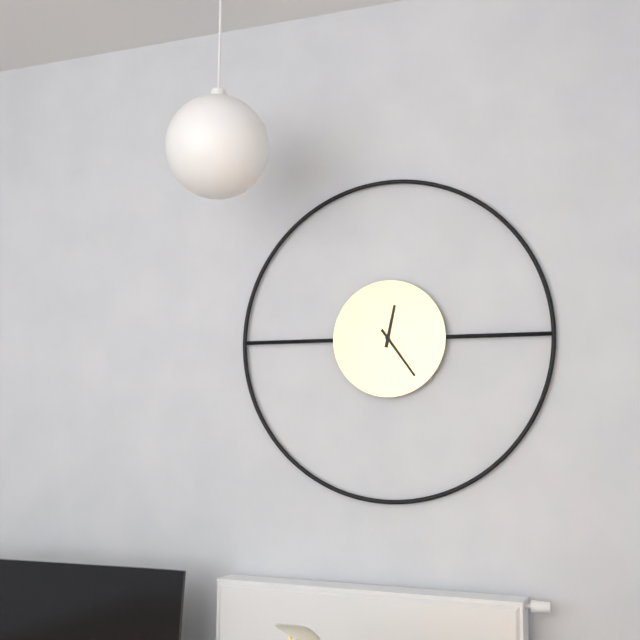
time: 12:24
